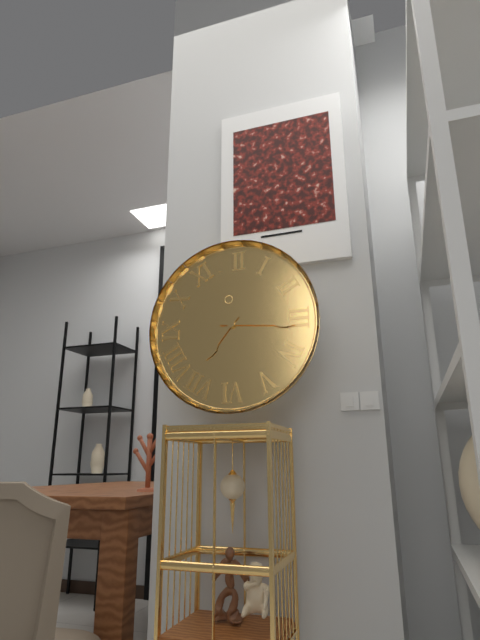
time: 7:16
